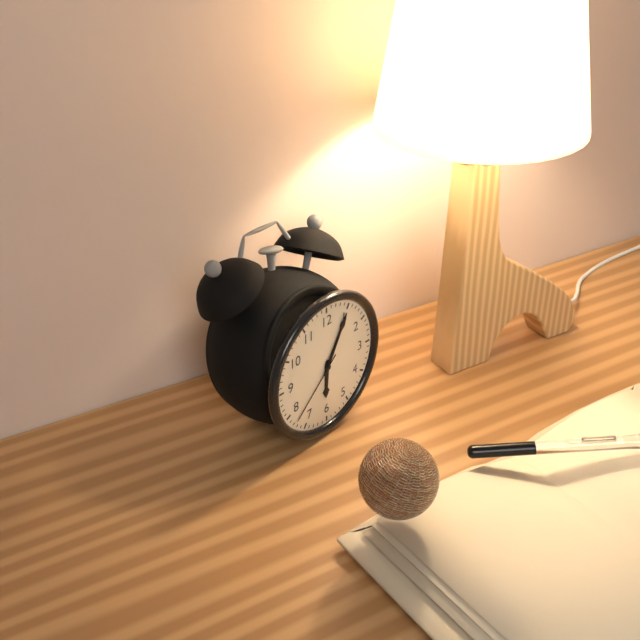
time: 6:05:38
